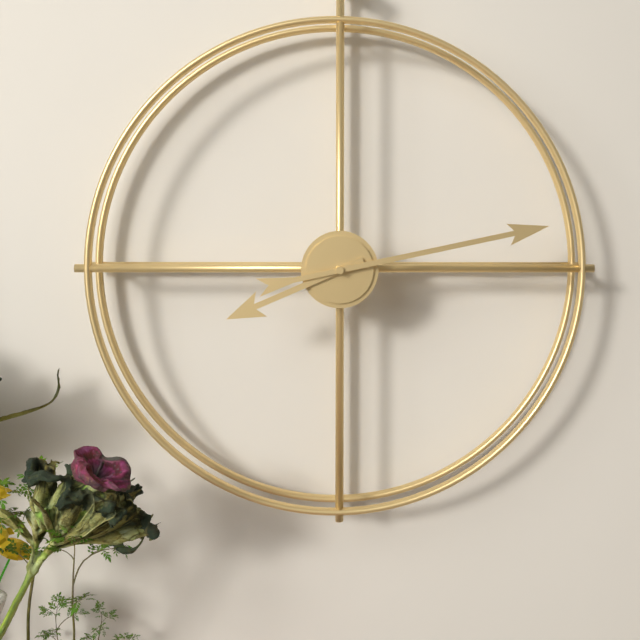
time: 8:13
